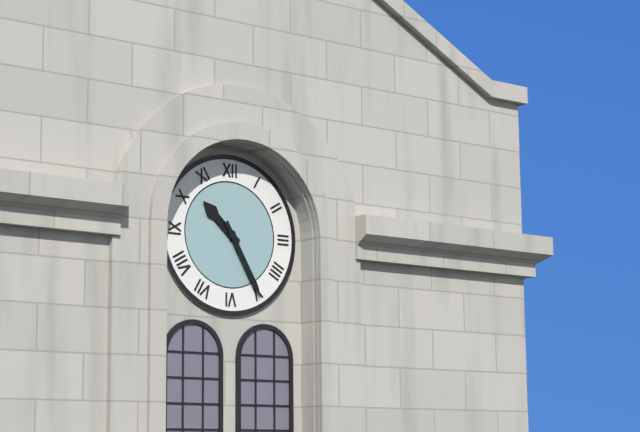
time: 10:25
